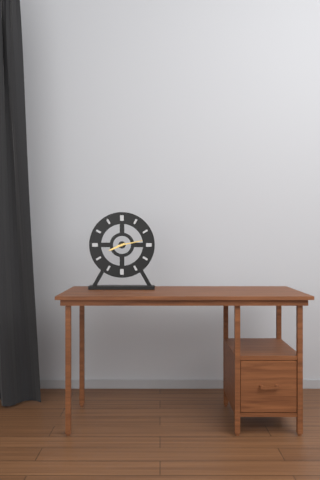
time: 8:13
